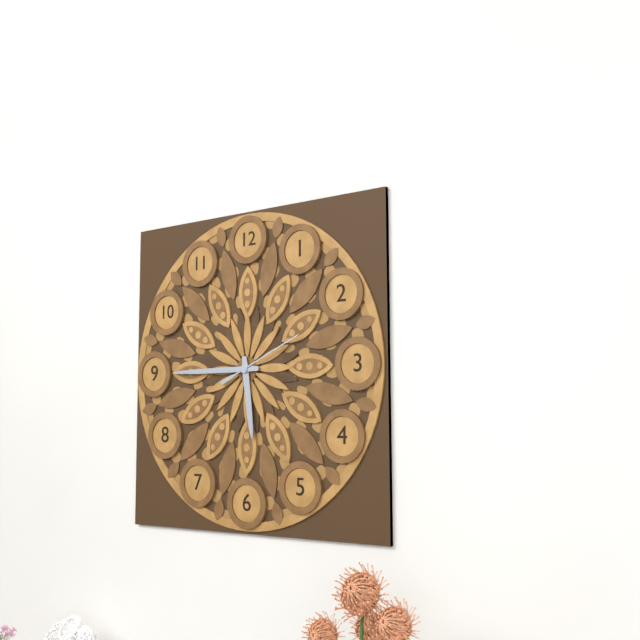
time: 5:45:11
